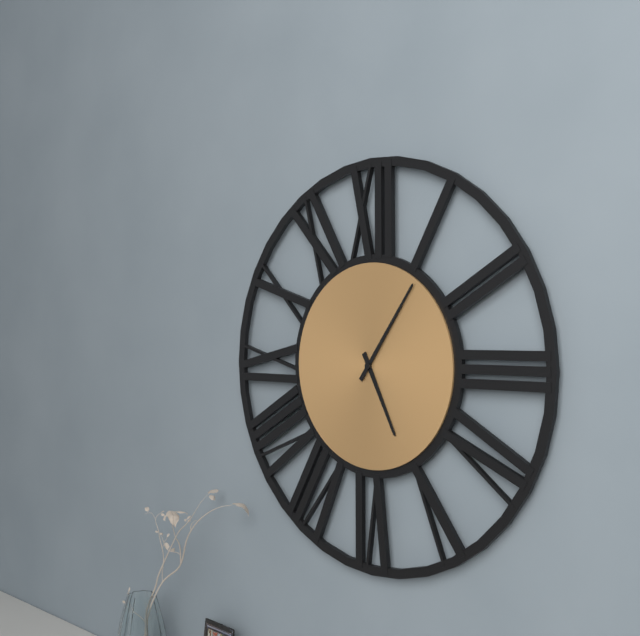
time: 5:06
